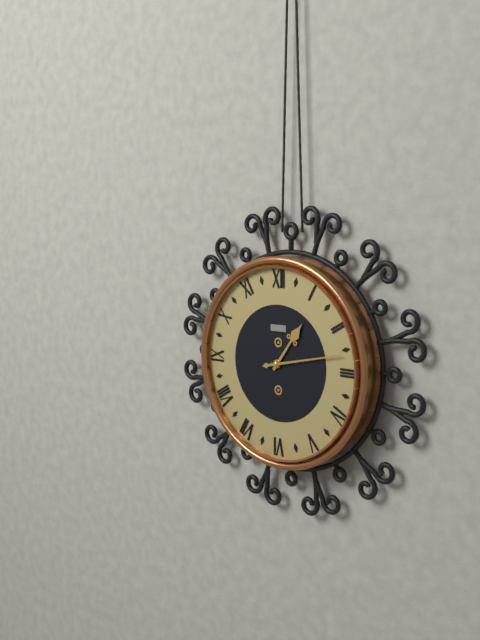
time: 1:13
